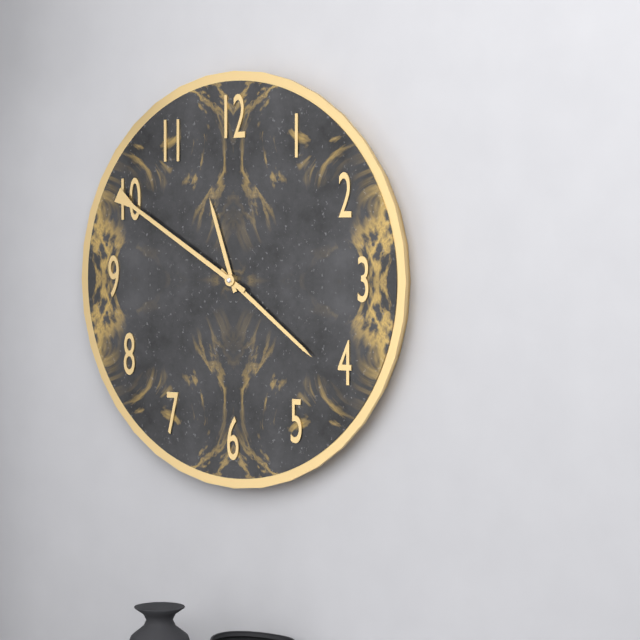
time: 11:21:50
